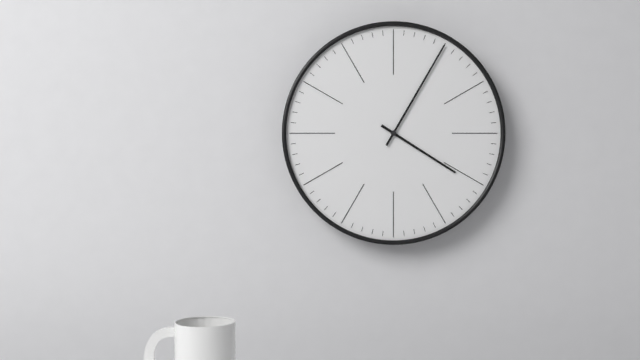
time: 4:05
